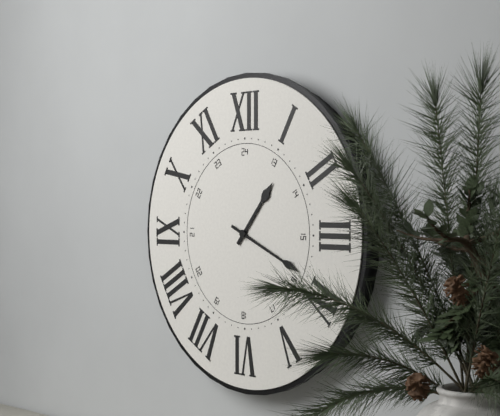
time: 1:19
